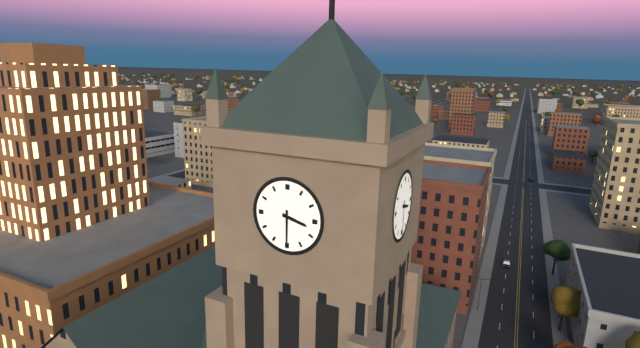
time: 3:30
